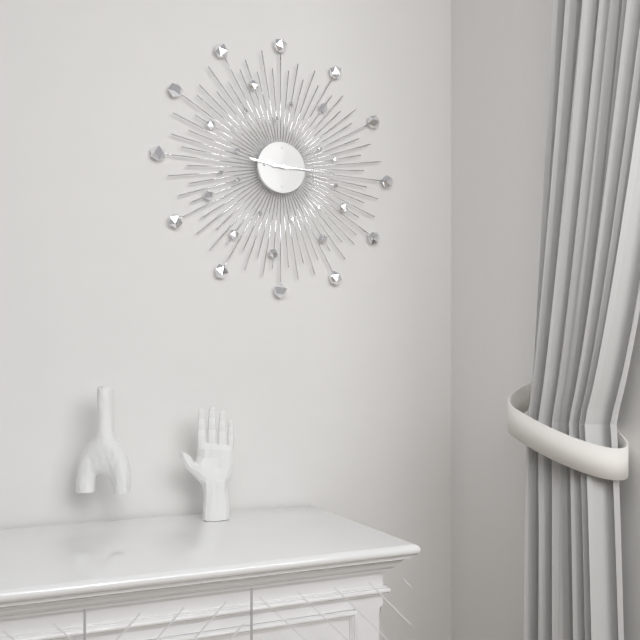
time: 9:15
